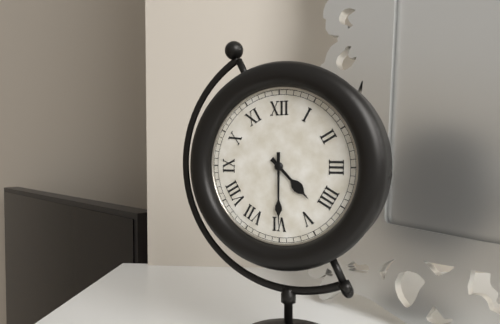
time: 4:30
